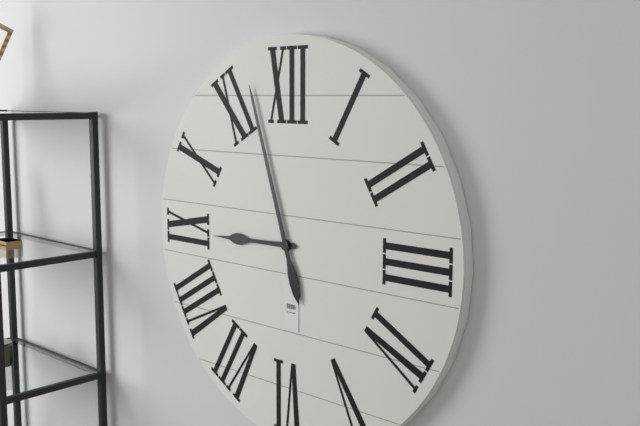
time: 8:57
